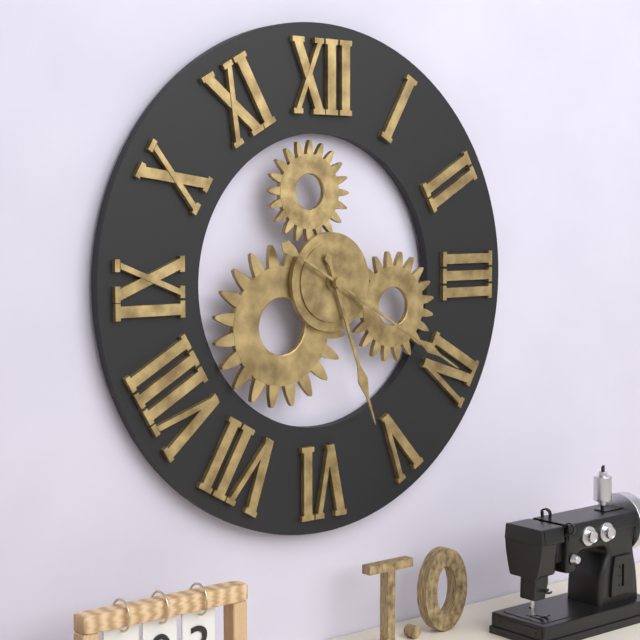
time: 5:20
